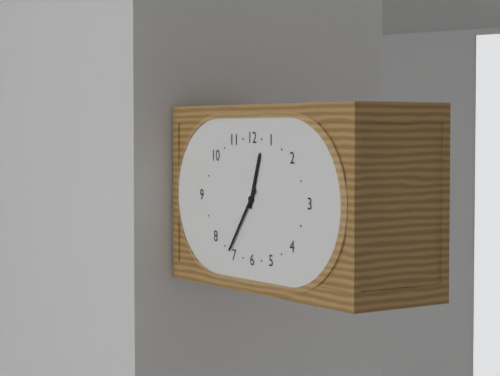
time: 12:36
